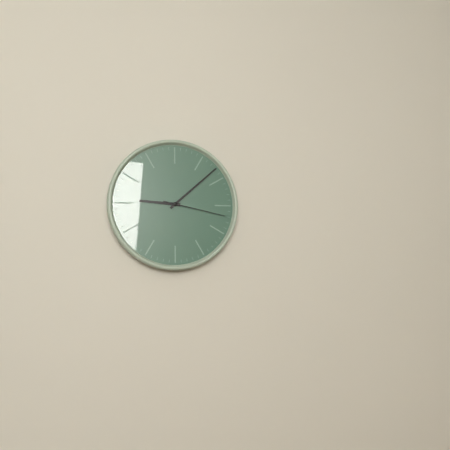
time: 9:08:17
